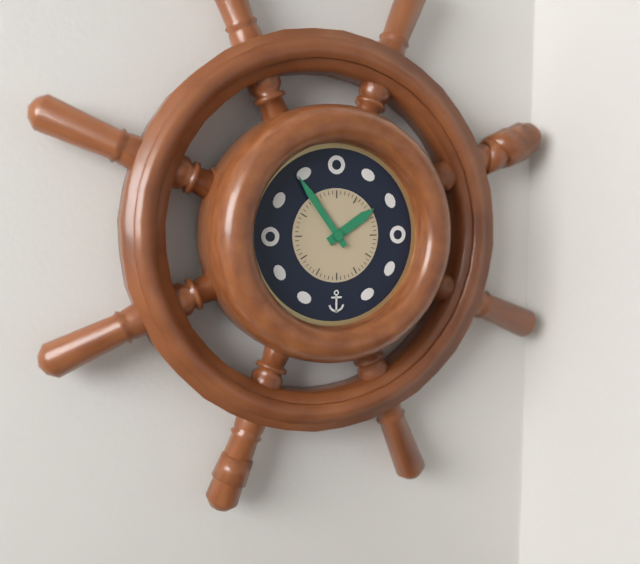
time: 1:54
